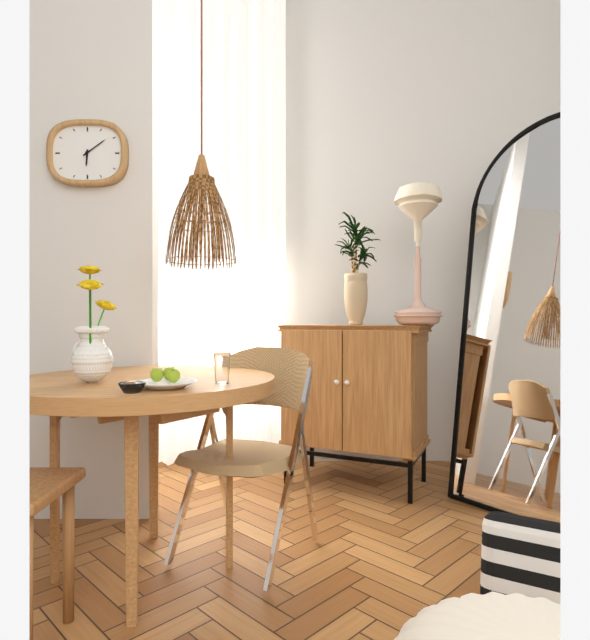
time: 6:09
